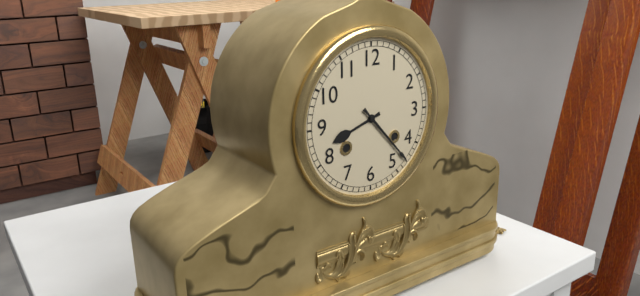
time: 8:23
